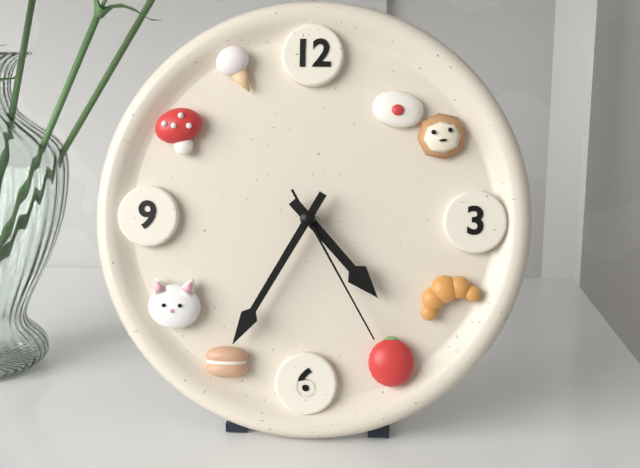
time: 4:35:25
